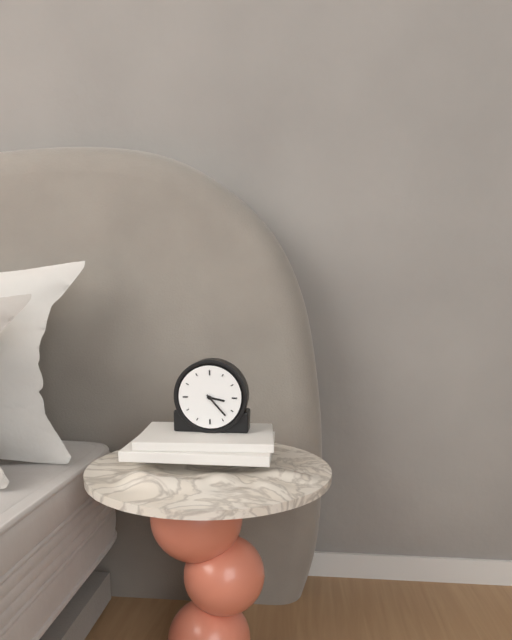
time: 3:23
